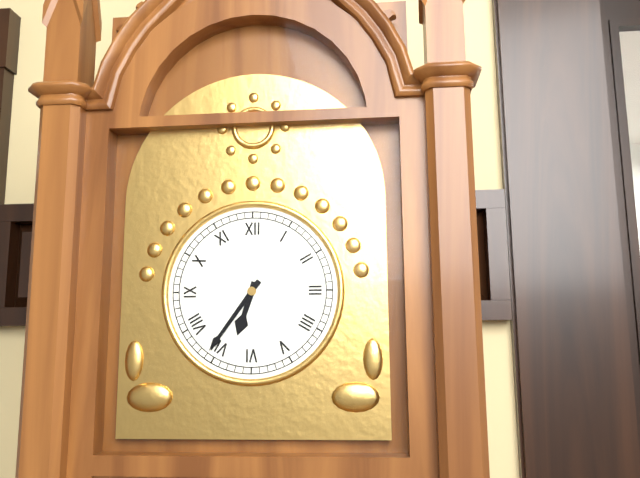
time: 6:36
